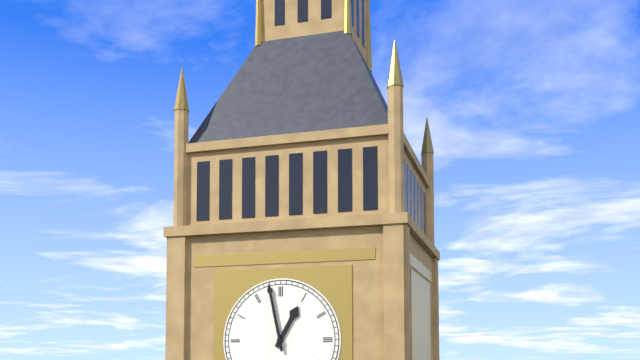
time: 12:58
